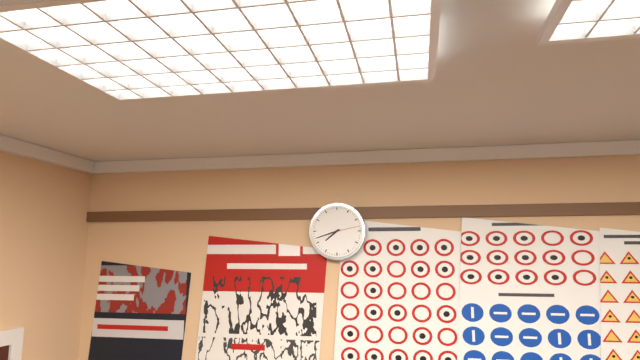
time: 7:42
